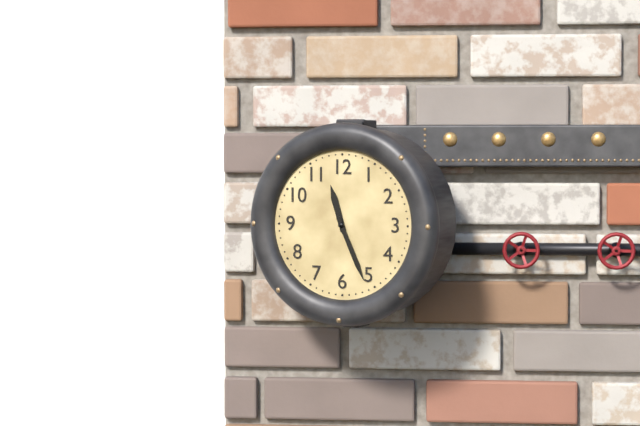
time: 11:26
